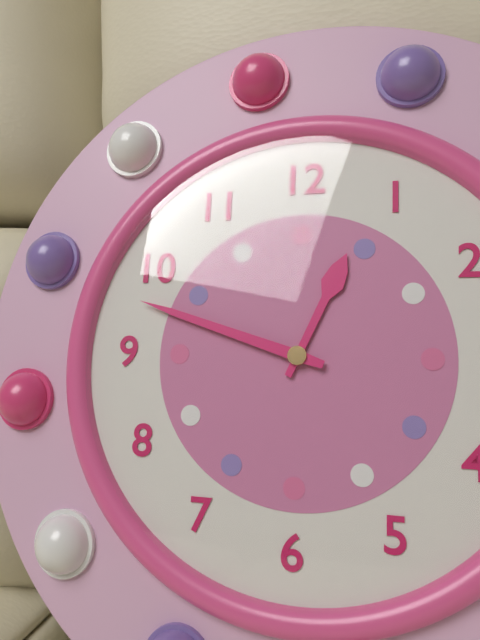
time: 12:48
